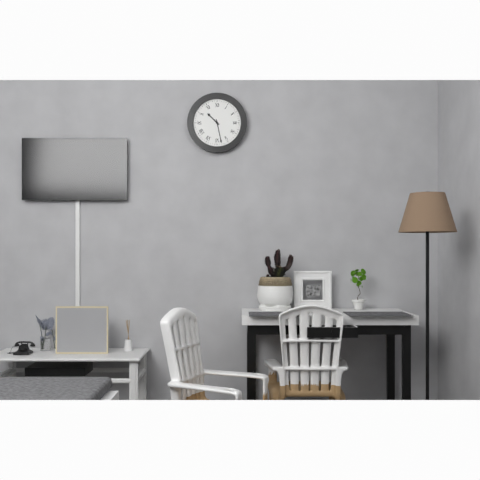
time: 10:28
